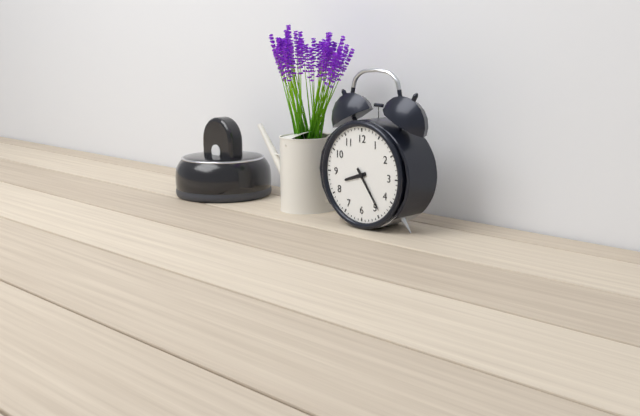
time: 8:24
